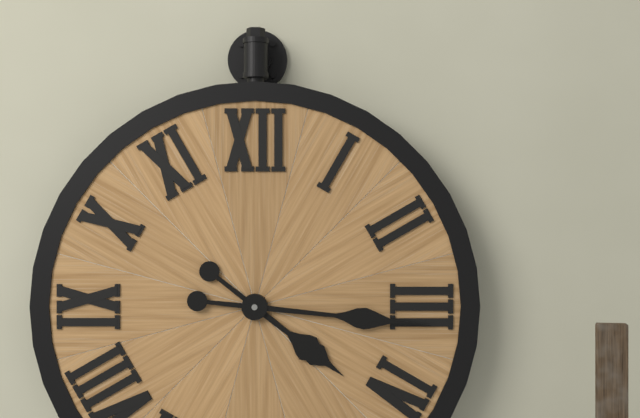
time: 4:16
